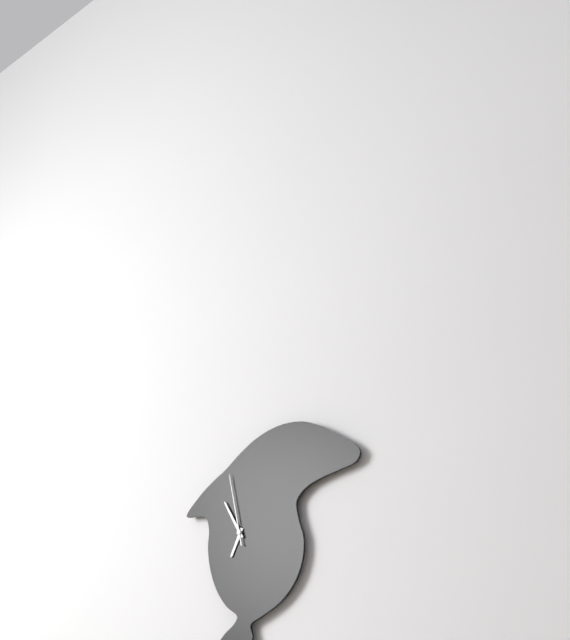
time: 6:55:58
